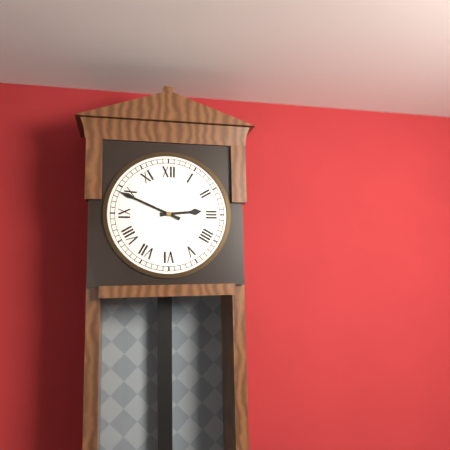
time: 2:49
